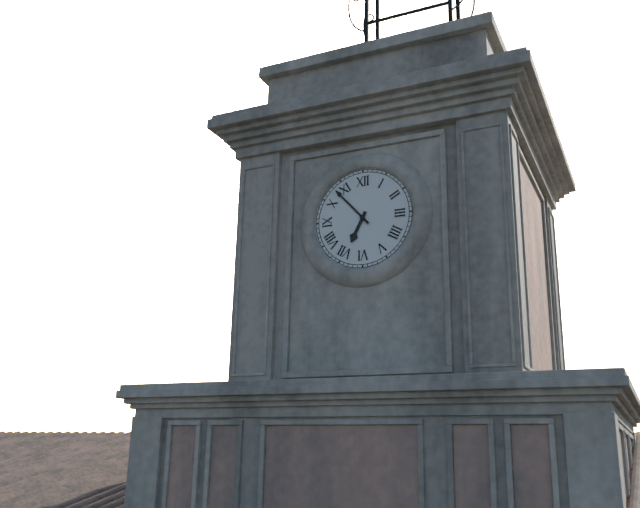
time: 6:53
